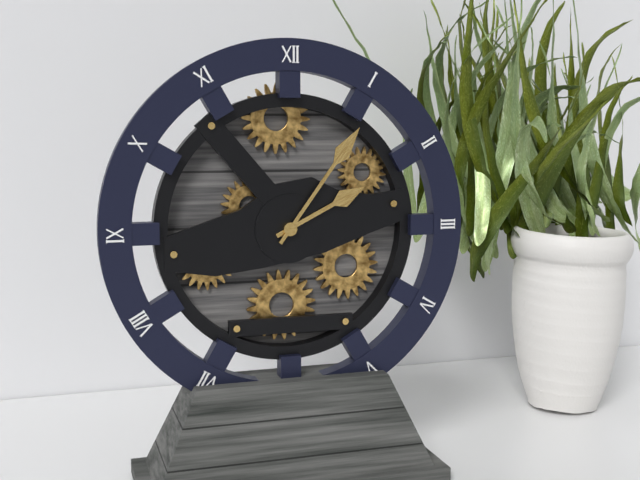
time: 2:06
